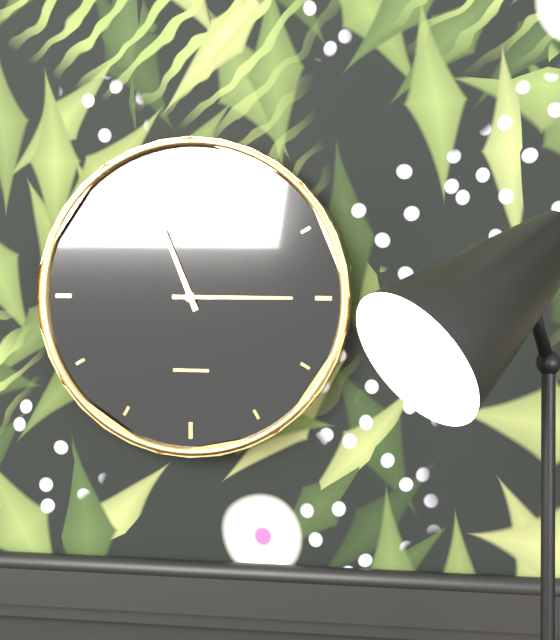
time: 11:15
